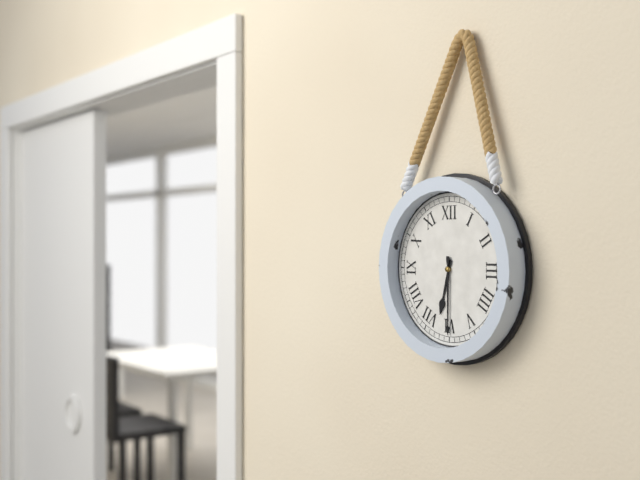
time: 6:30
